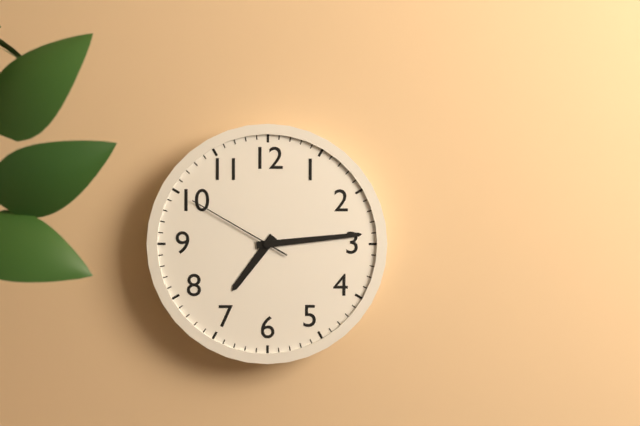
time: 7:14:50
